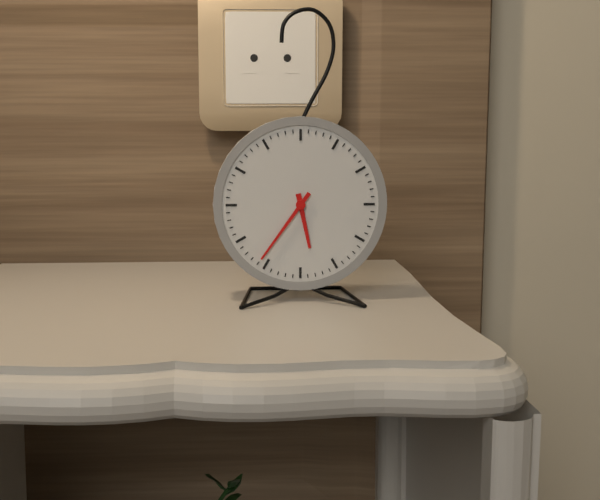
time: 5:36
